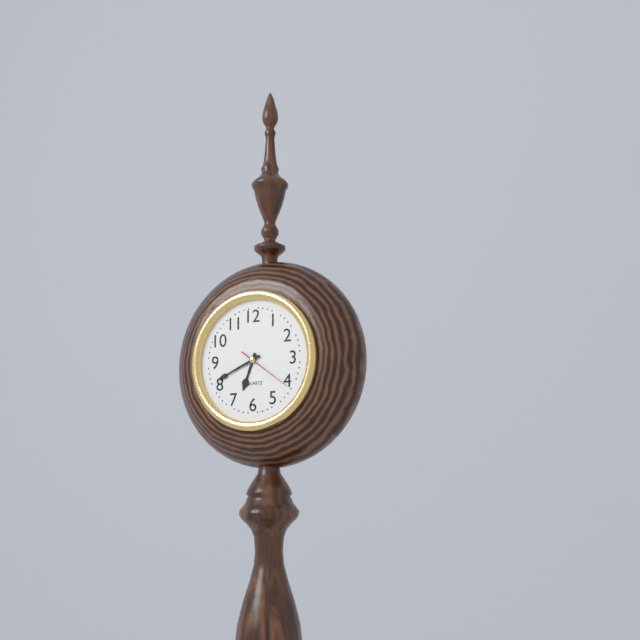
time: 6:41
